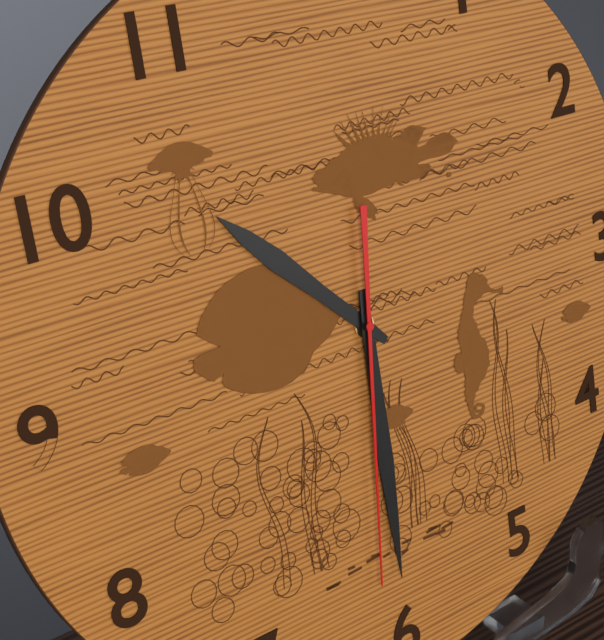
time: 10:30:31
